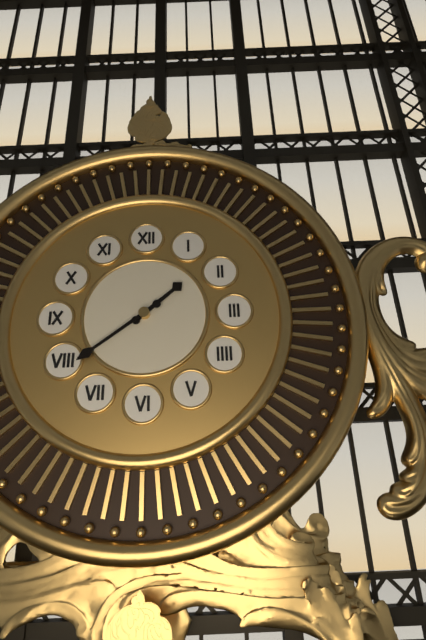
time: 1:39
